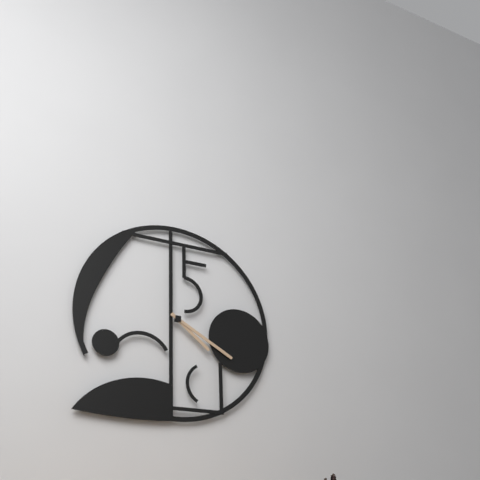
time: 4:20
